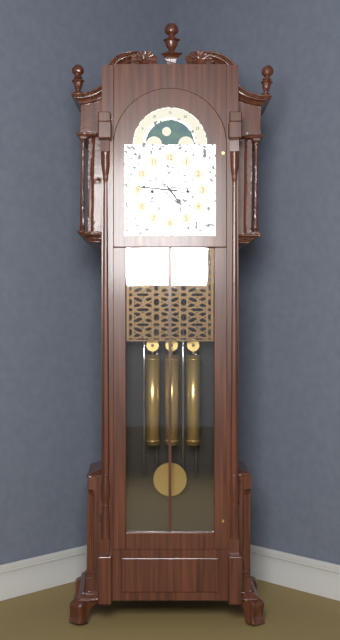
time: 4:46
